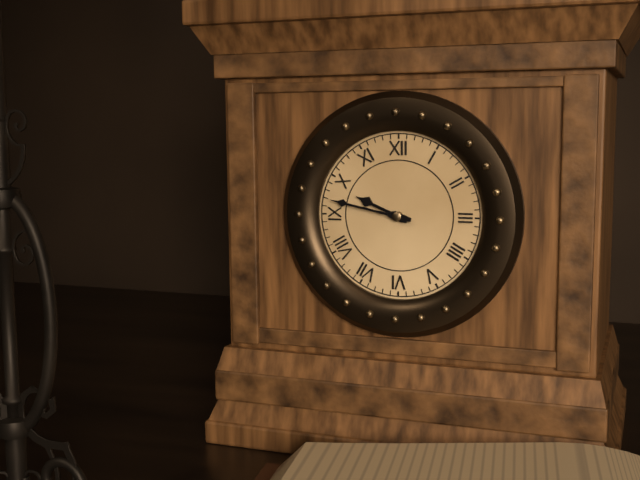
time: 9:47
